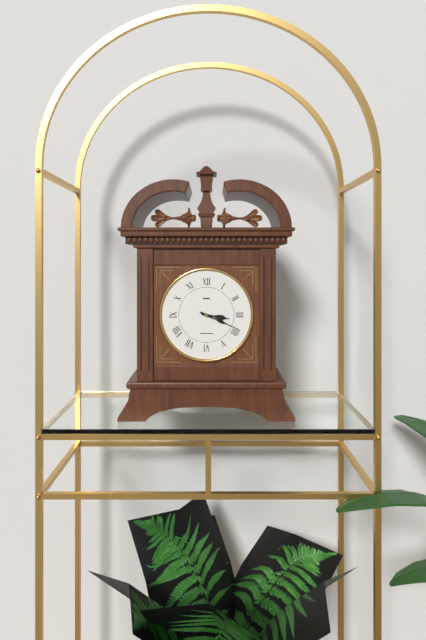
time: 3:19
